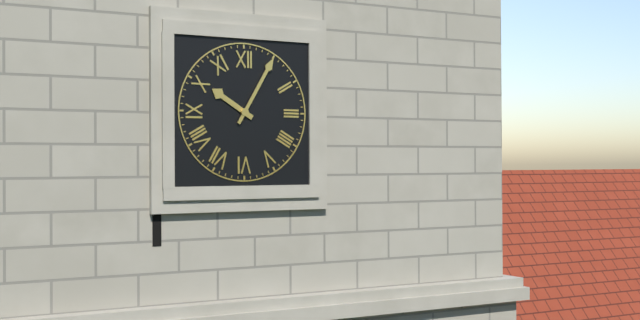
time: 10:05
